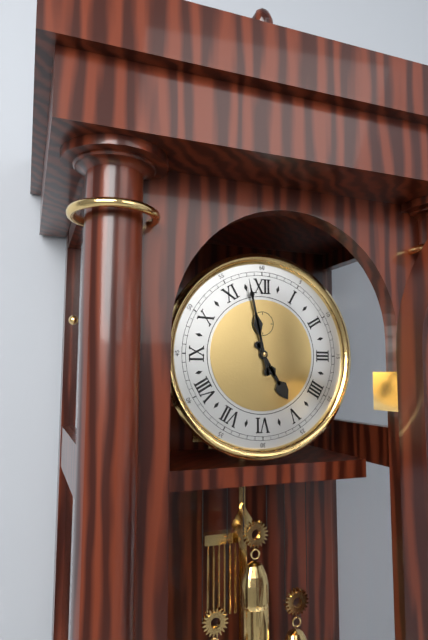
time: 4:58
